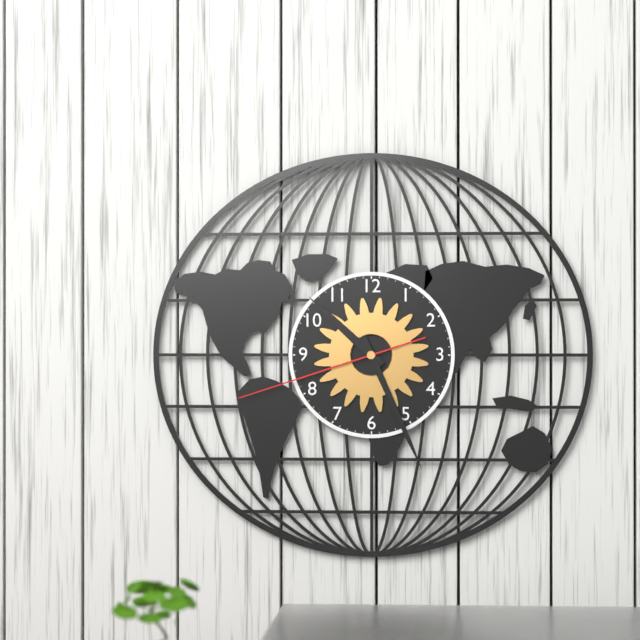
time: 10:26:42
